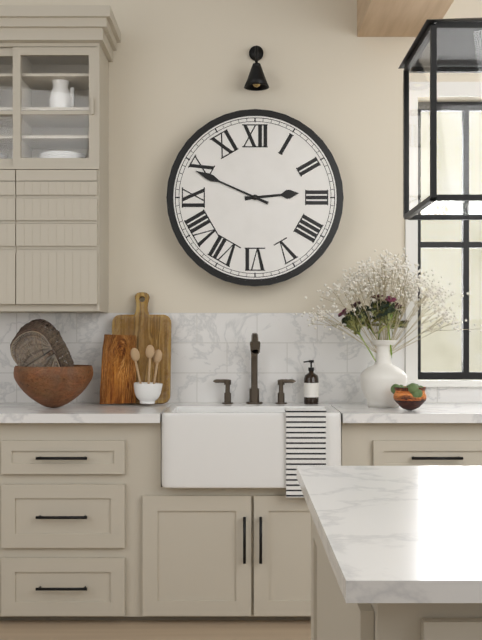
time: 2:49
